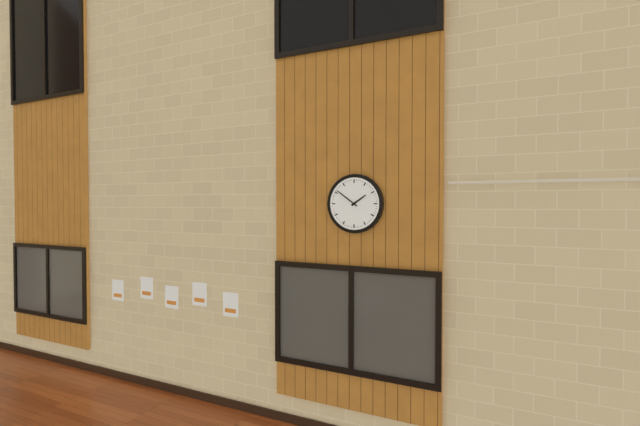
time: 1:51
